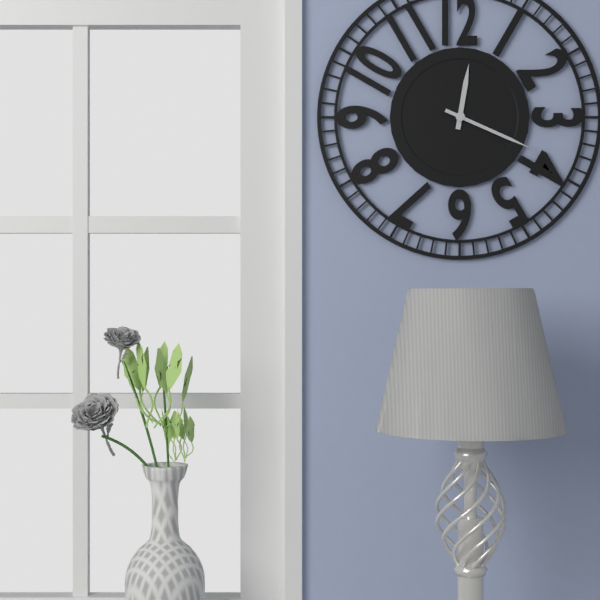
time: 12:19
